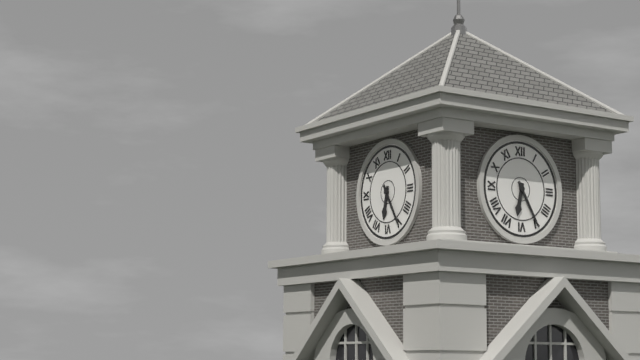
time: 6:25
